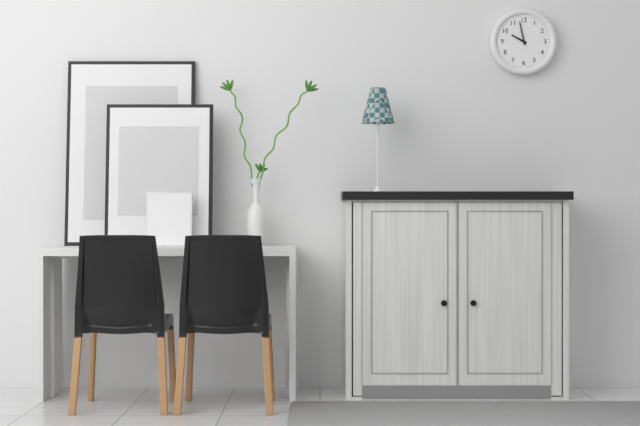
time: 9:58
